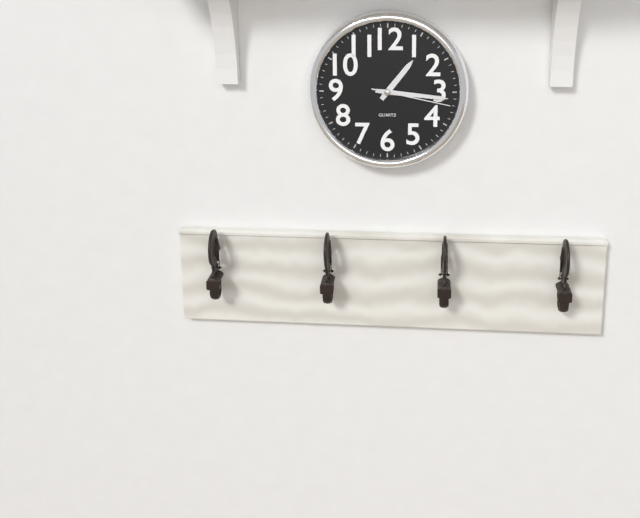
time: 1:16:17
